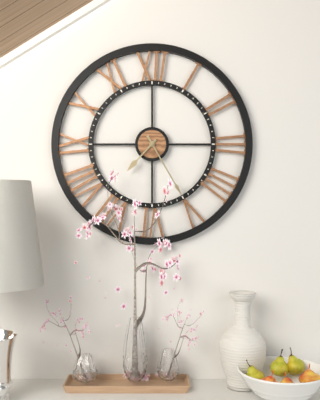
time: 7:25
